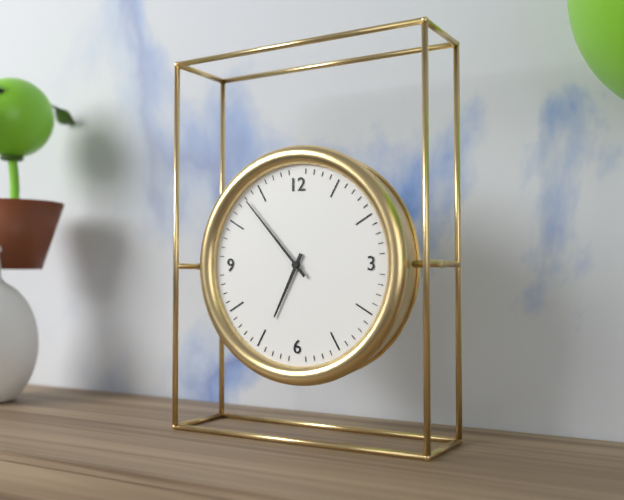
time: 6:53
